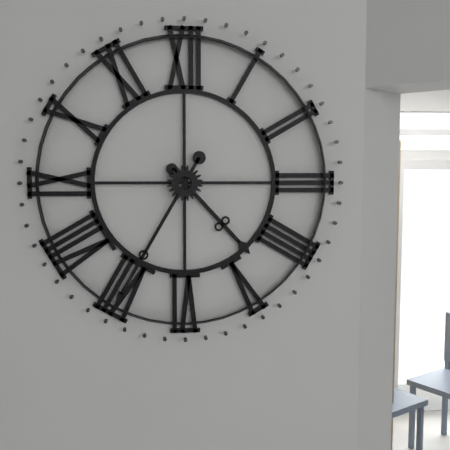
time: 4:35
